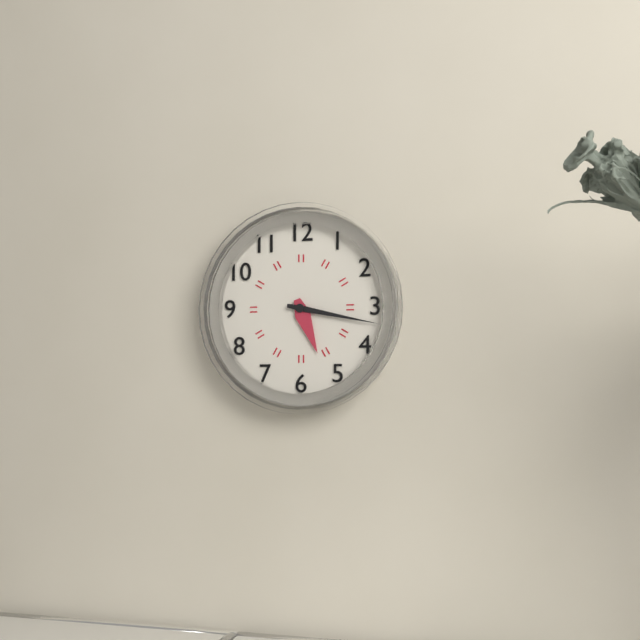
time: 5:17
